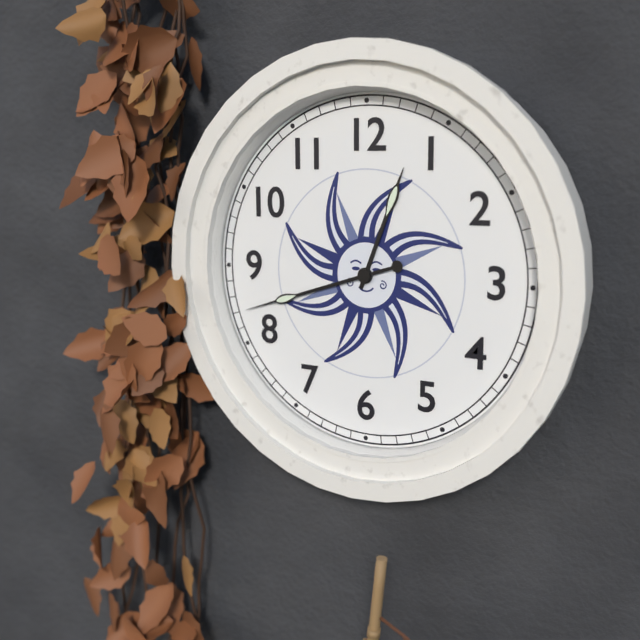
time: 12:42
